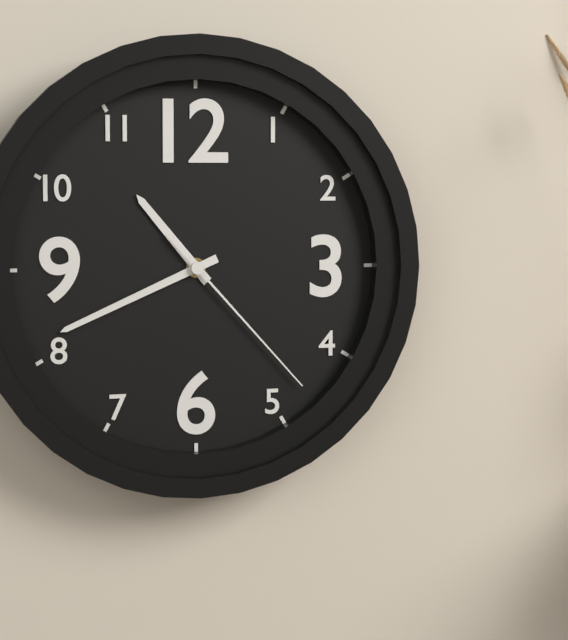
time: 10:41:23
